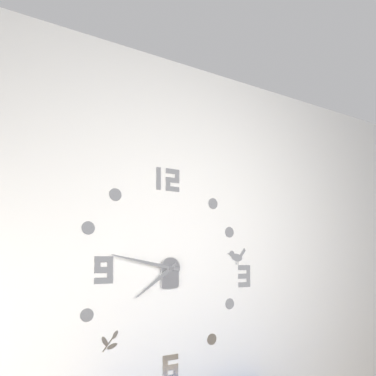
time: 7:47
